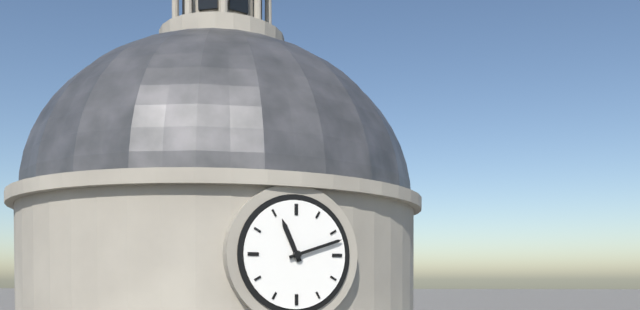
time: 11:12
